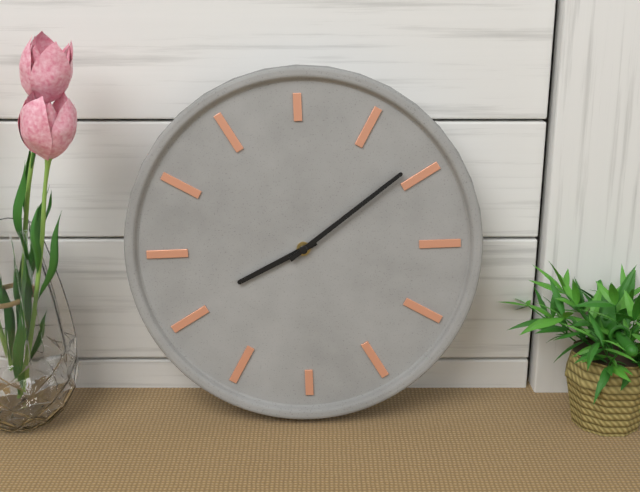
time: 8:09
